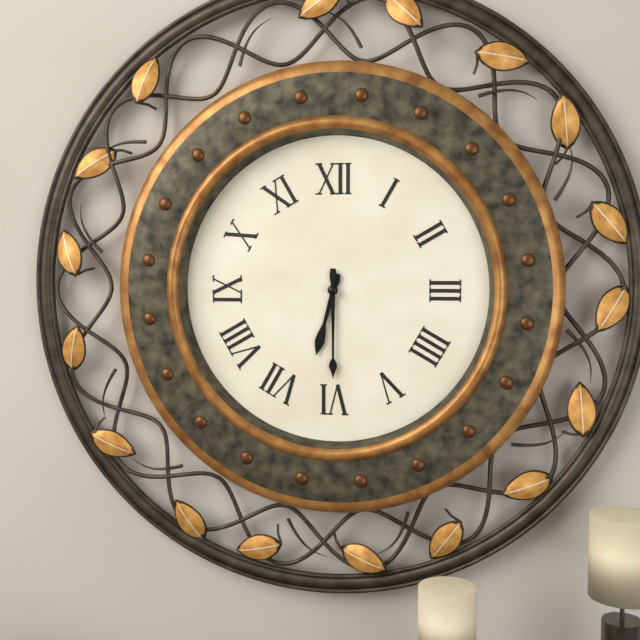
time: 6:30
